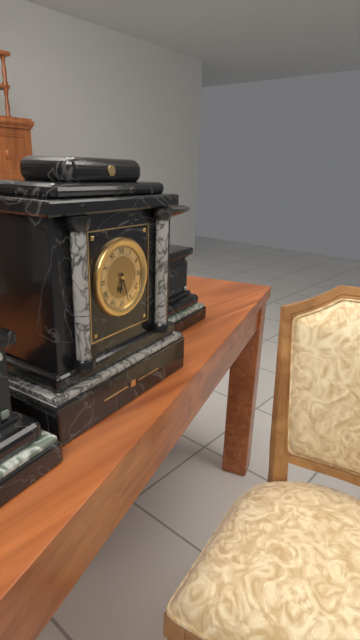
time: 6:27
